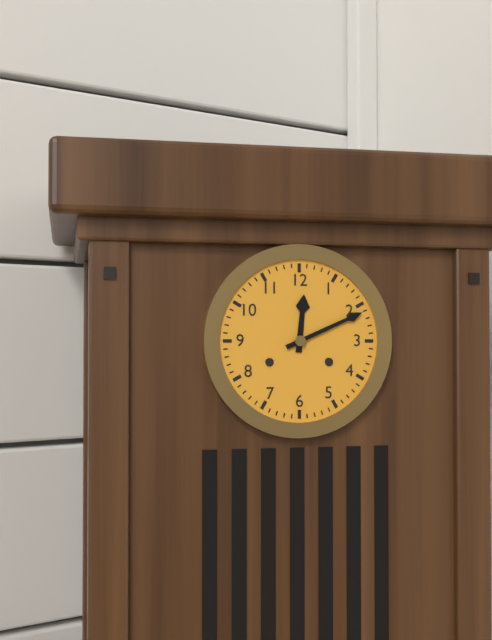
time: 12:11
